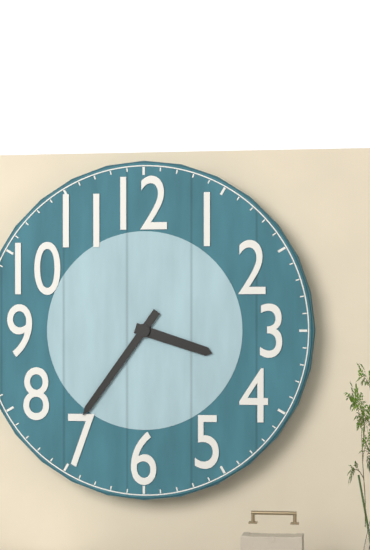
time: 3:36
